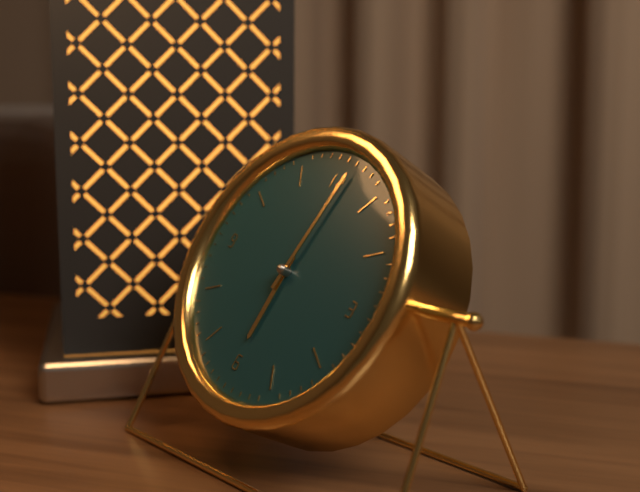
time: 6:01
